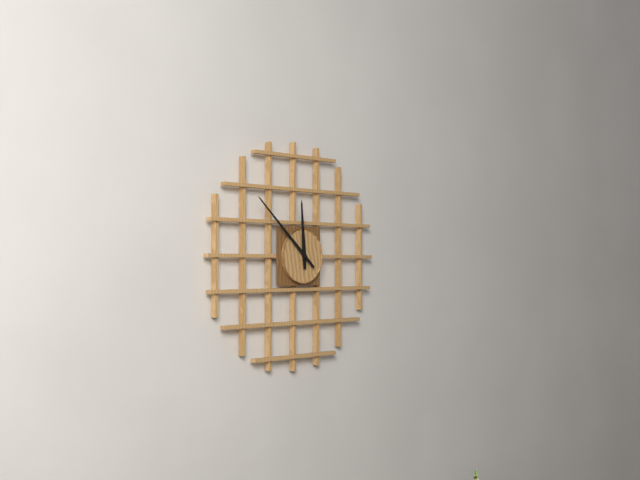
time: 11:52
